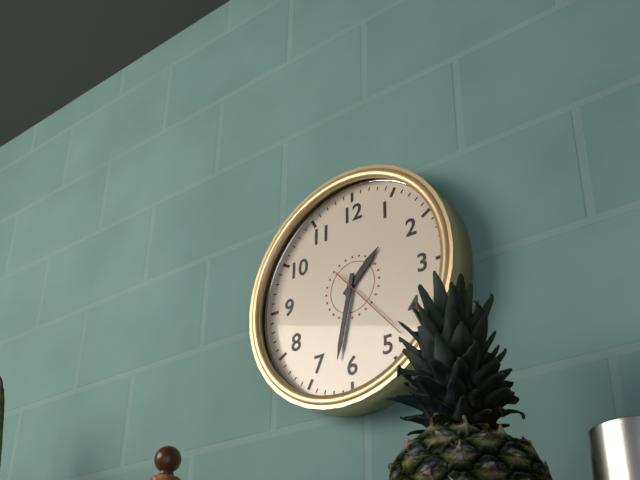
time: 1:32:23
